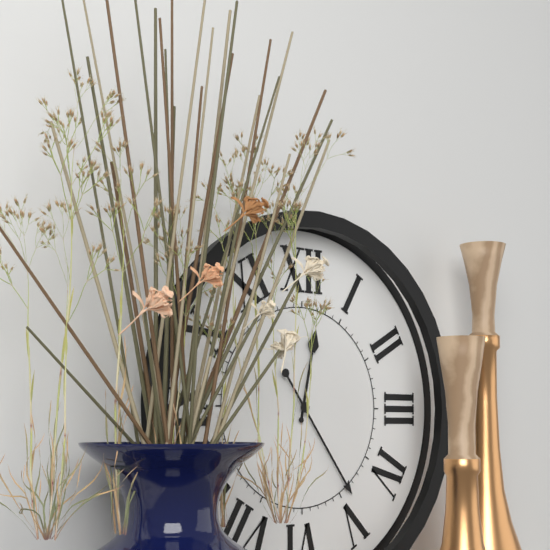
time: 12:24
